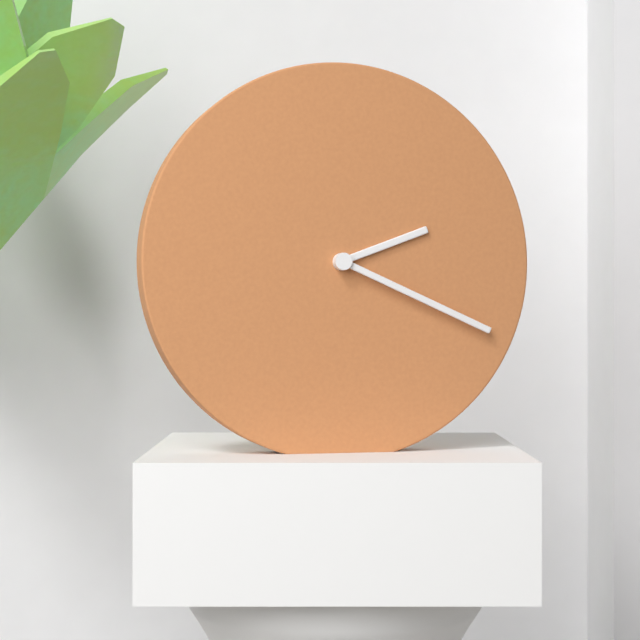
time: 2:19
